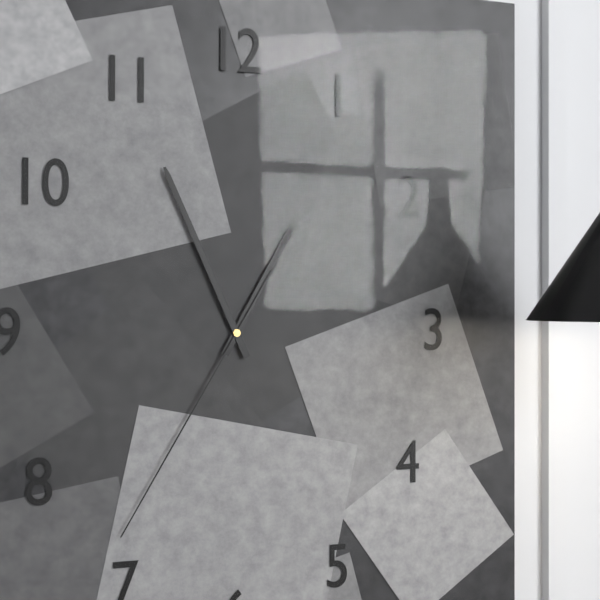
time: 12:56:35
